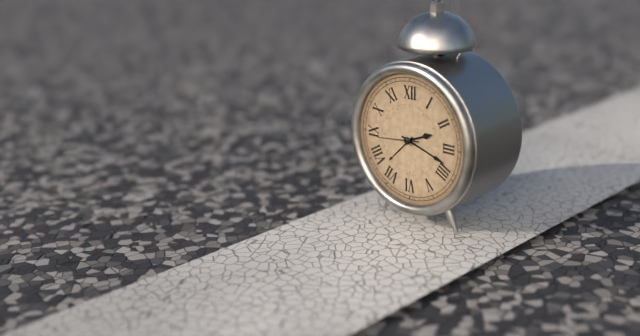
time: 2:18
